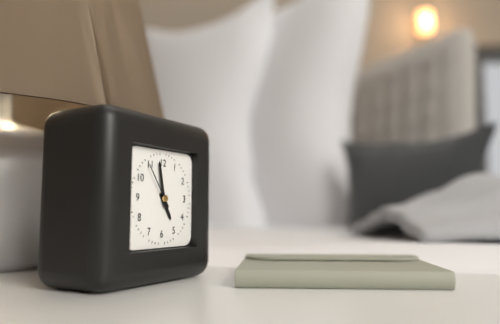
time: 4:58
